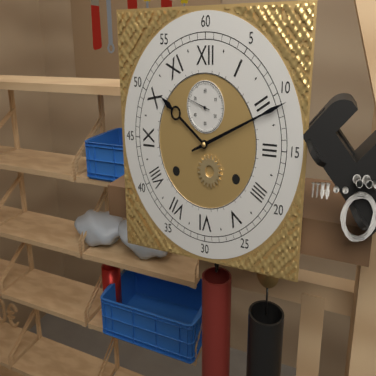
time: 10:11
